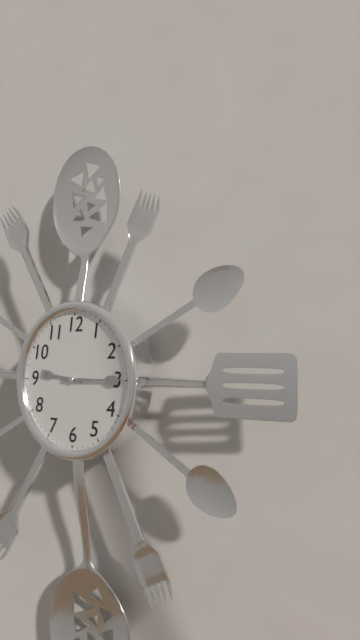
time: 9:15
